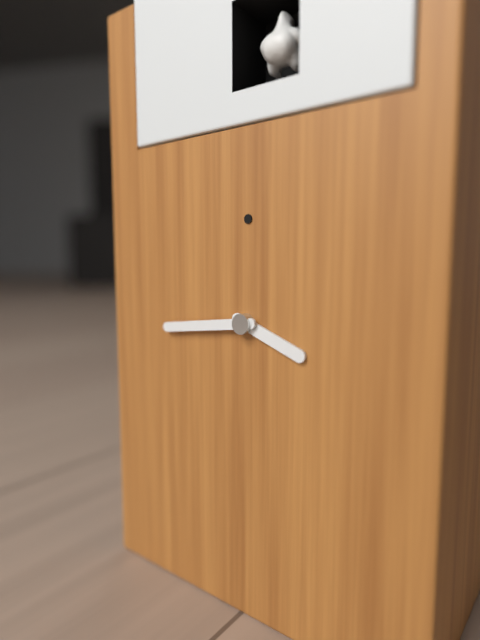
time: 3:44
